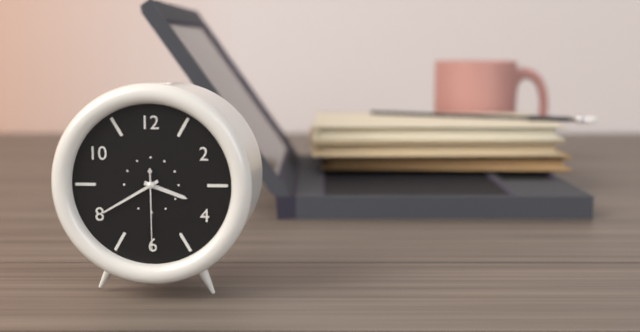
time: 3:40:30
